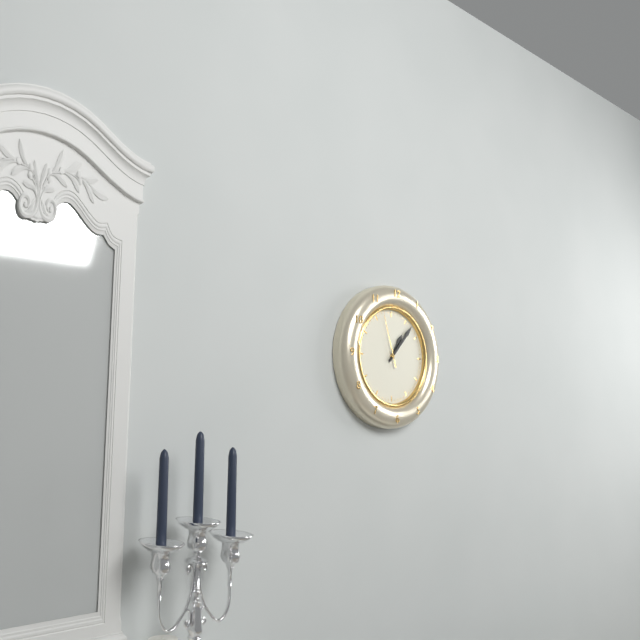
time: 1:07:57
